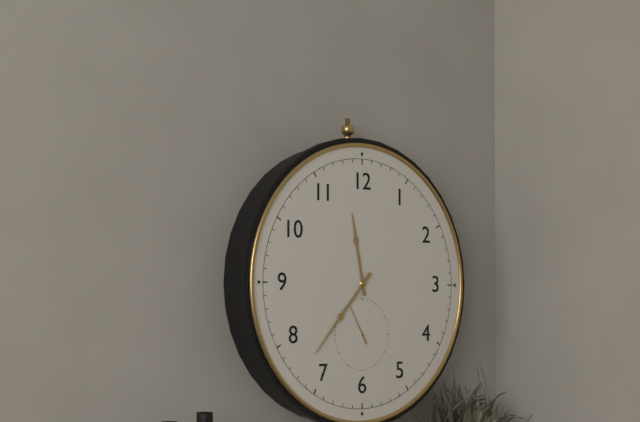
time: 11:37
